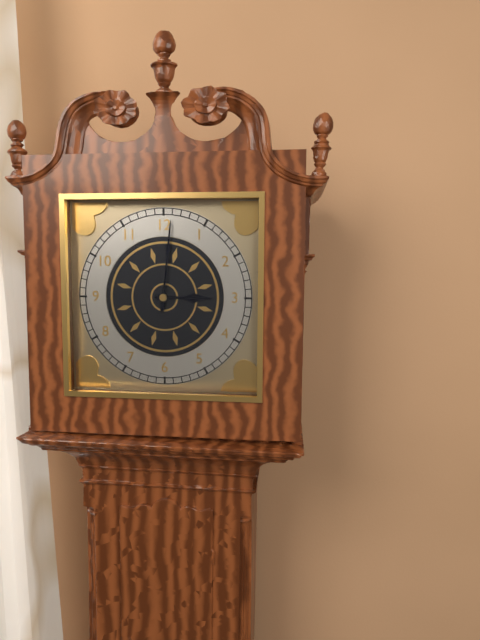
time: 3:01
